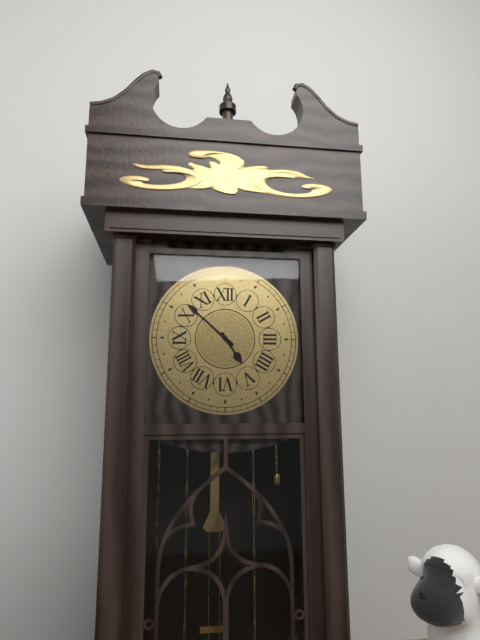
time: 4:52
